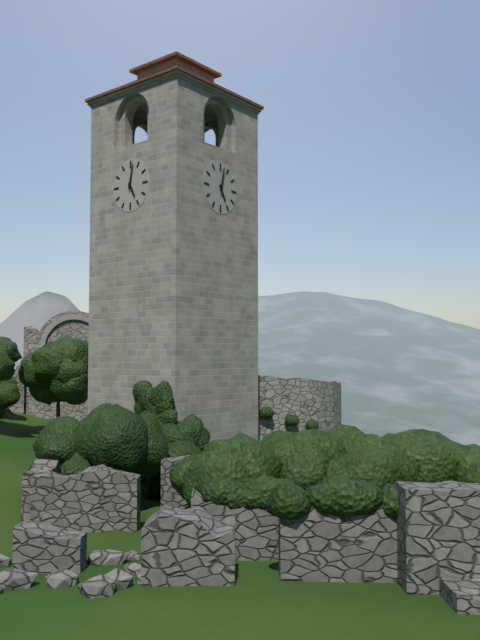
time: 5:02
